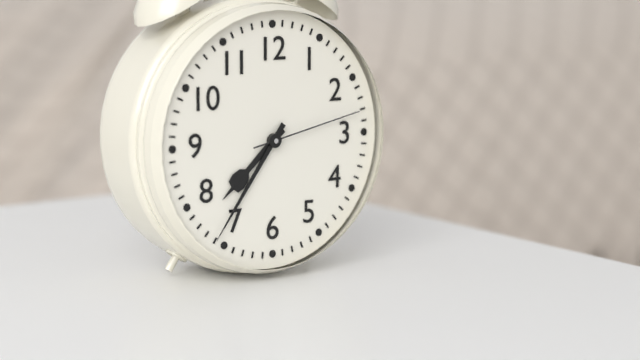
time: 7:36:13
